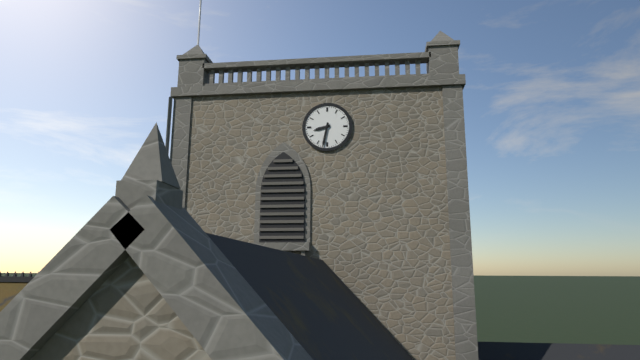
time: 8:32
